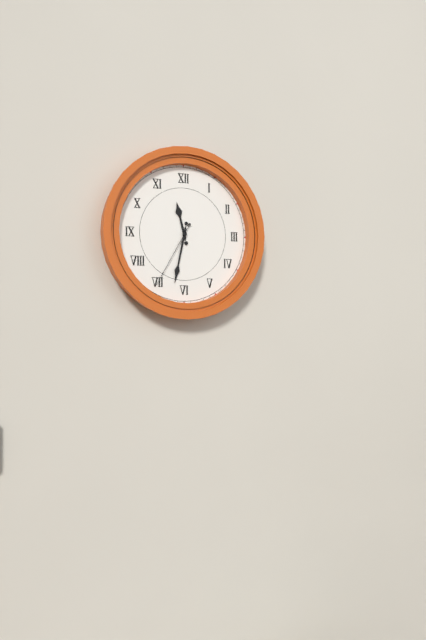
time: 11:32:35
